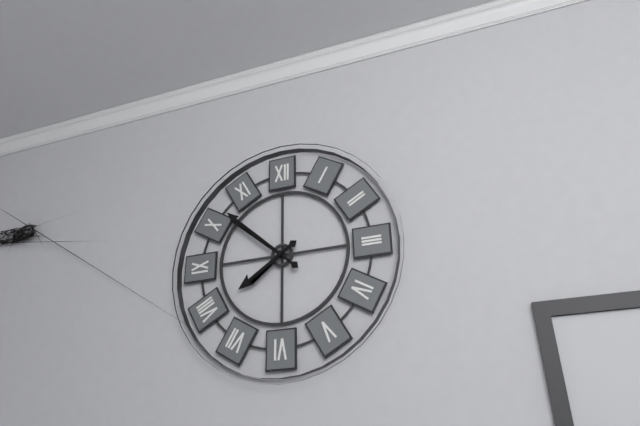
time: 7:52
